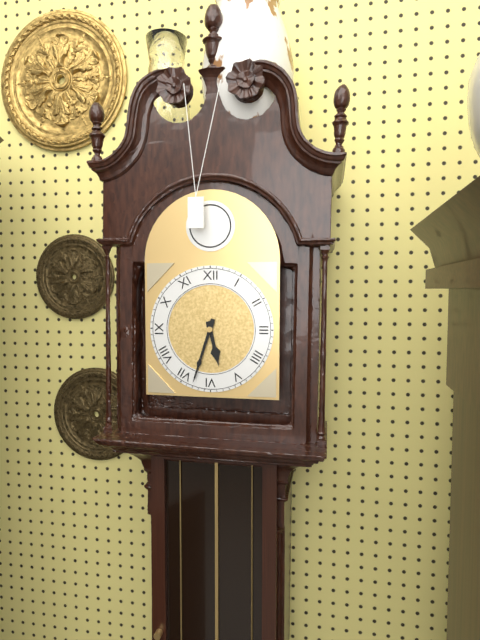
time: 5:33
